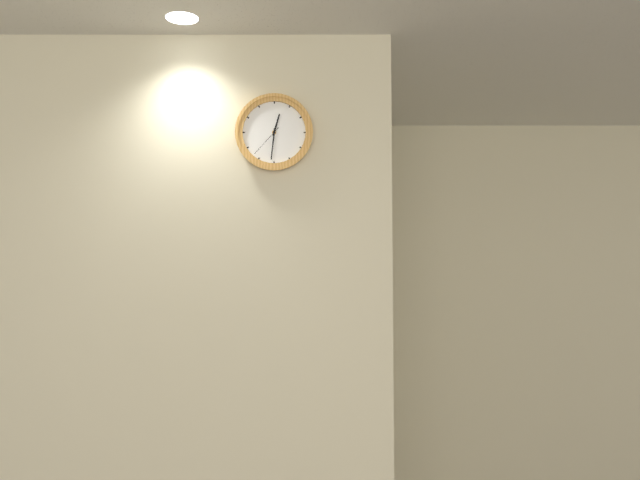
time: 12:31
